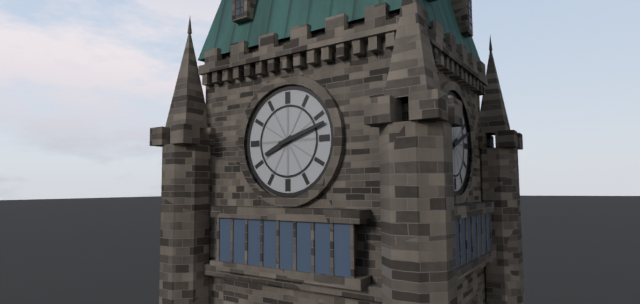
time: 8:12
